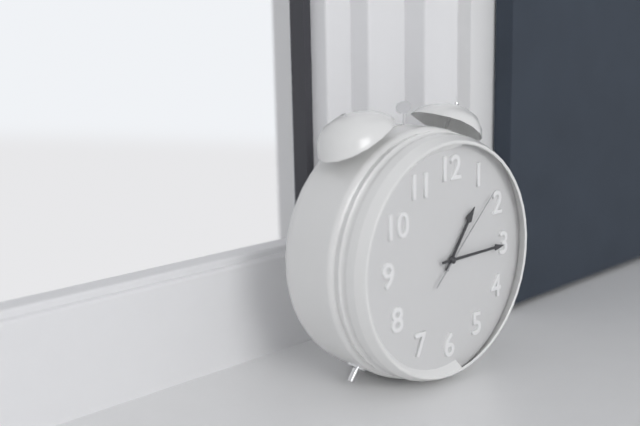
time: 1:15:08
